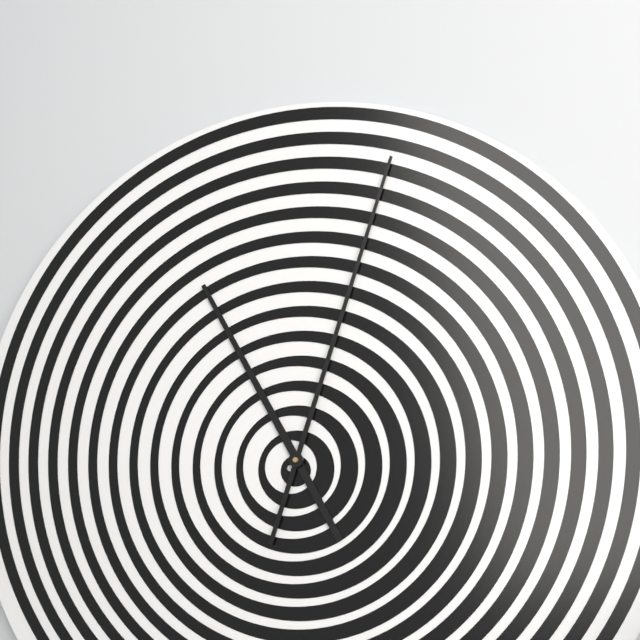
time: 11:03
